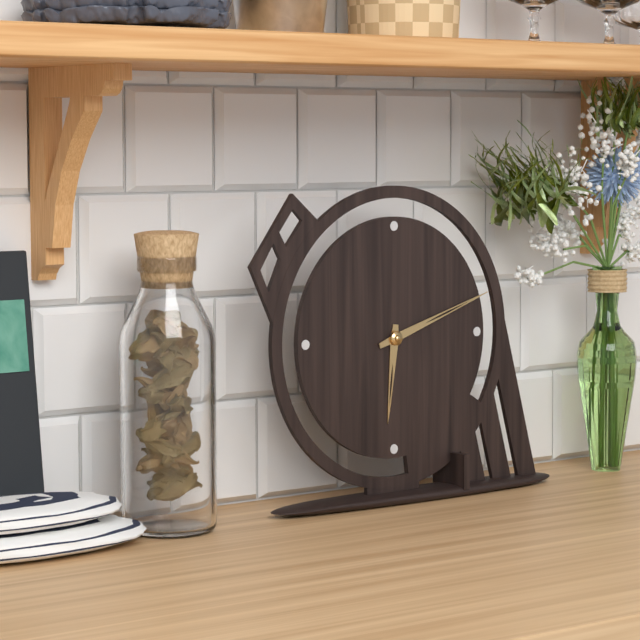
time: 6:12
